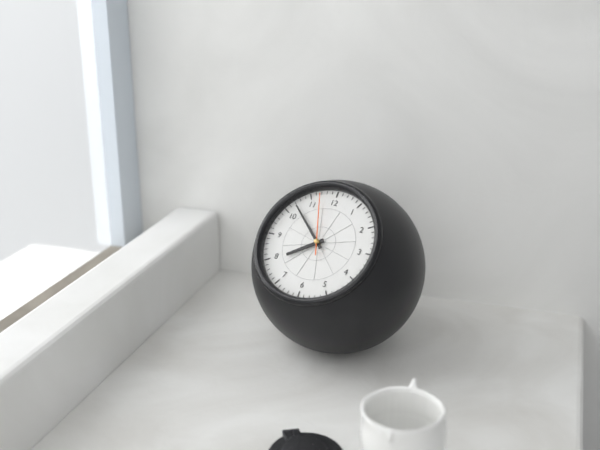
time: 7:52:57
